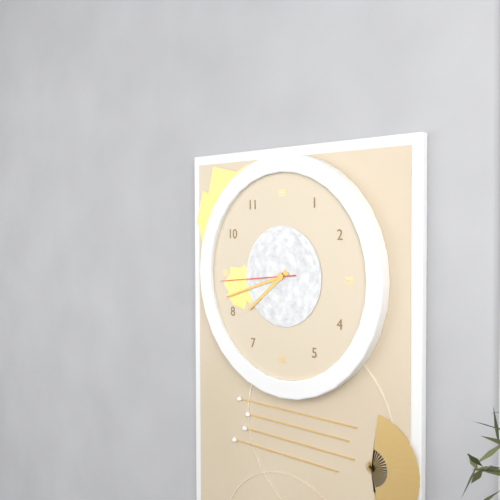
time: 7:42:44
